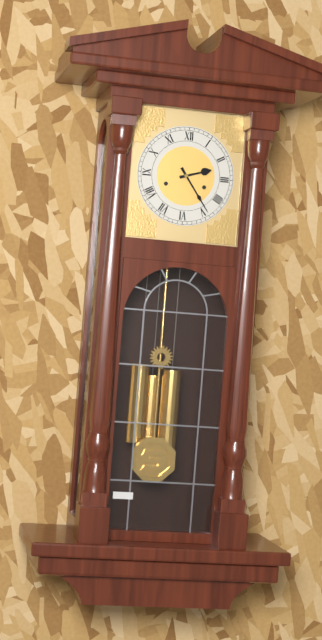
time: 2:24
